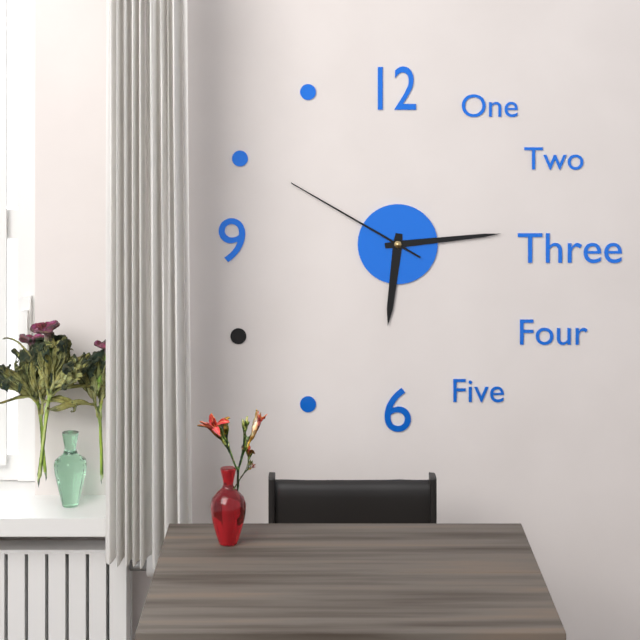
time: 6:14:50
